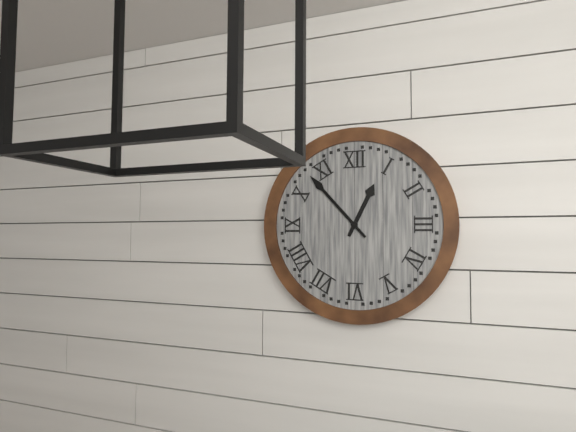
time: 12:53
